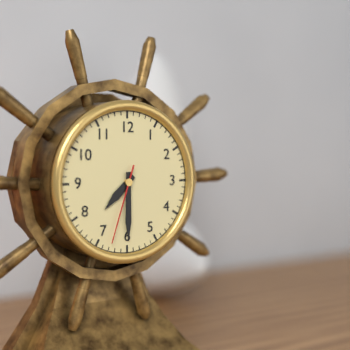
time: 7:30:33
